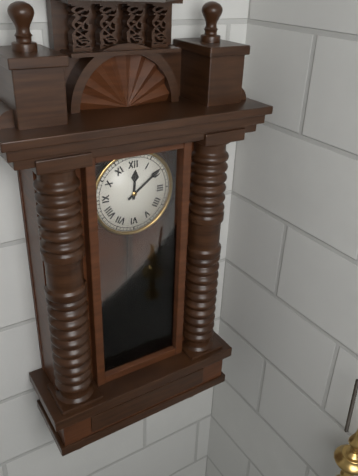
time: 12:09
